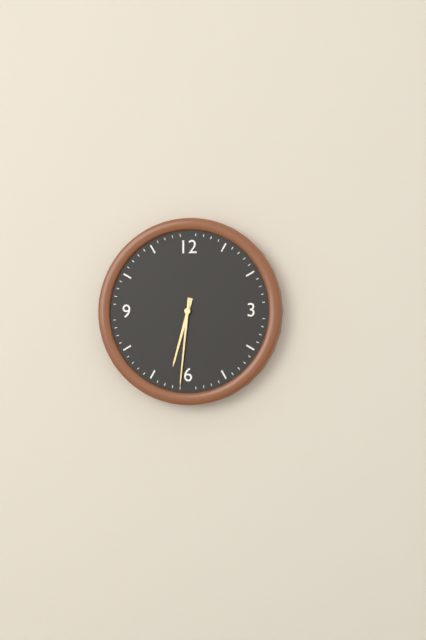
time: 6:31
